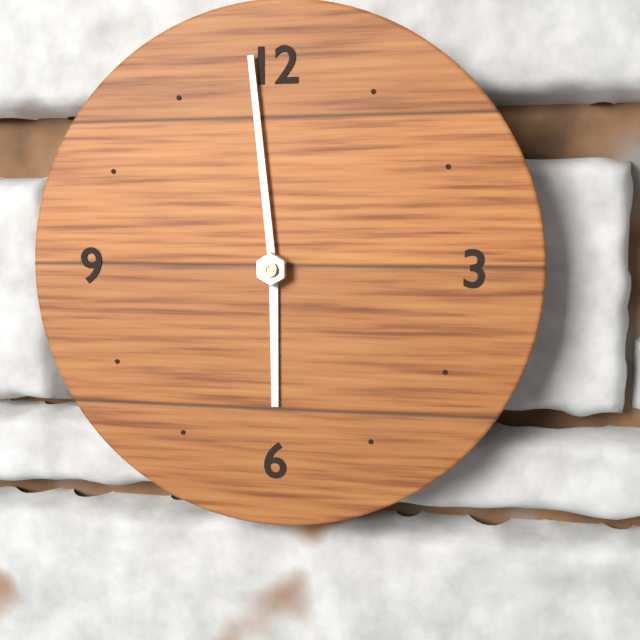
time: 5:59
